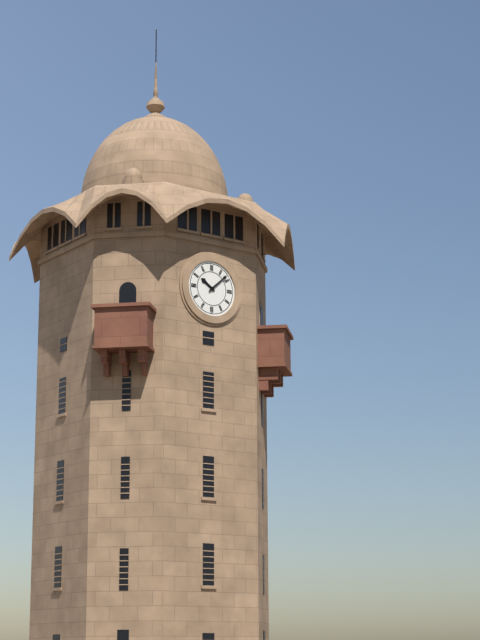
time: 10:08
